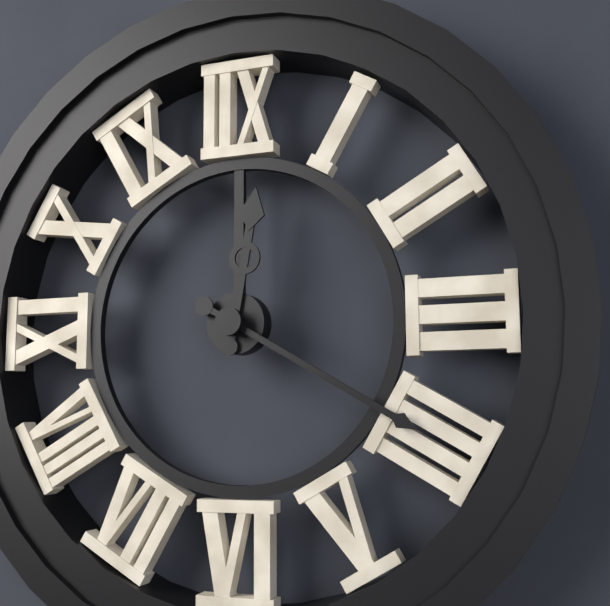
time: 12:20
